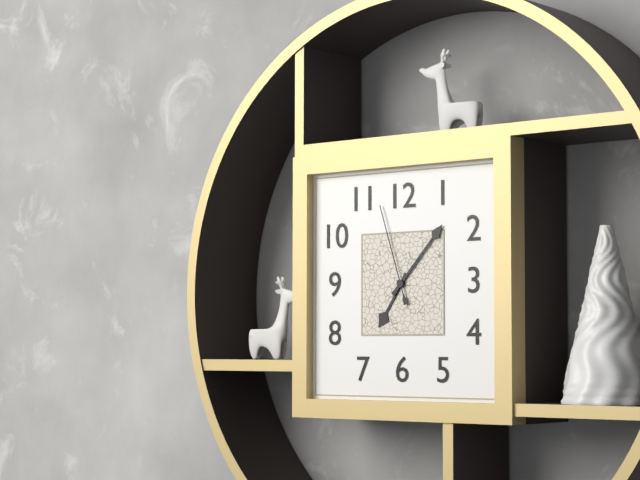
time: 7:07:57
